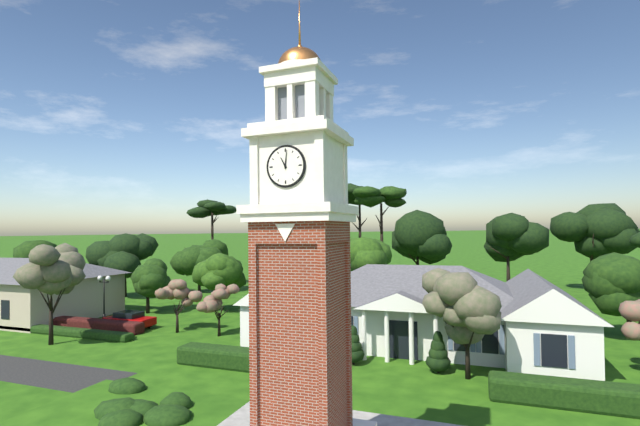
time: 11:01
